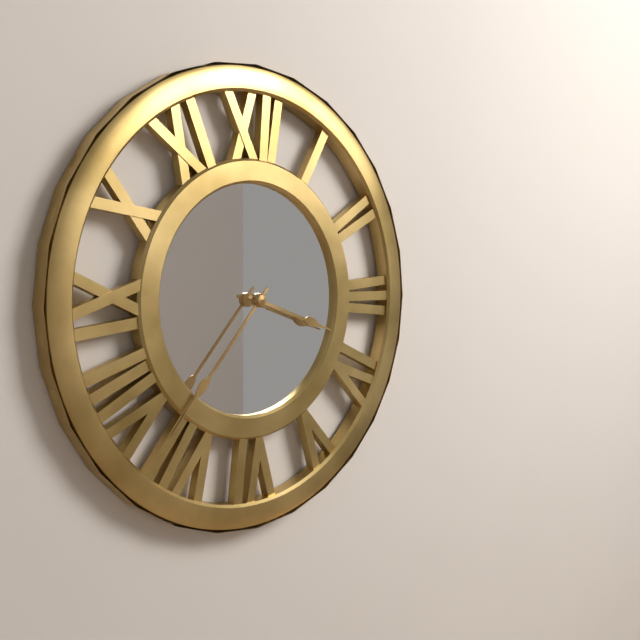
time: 3:37
